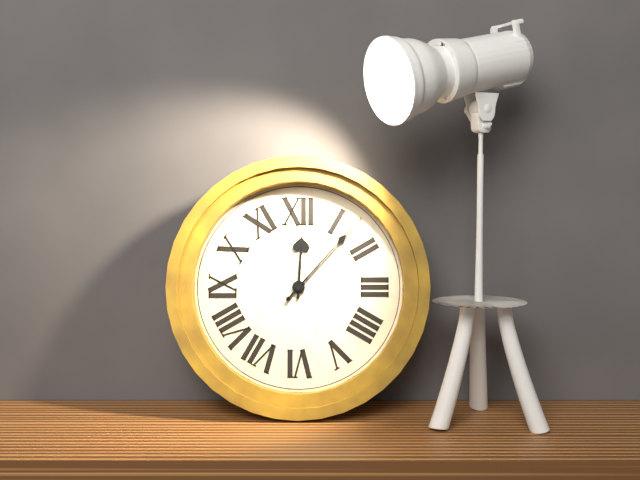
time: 12:07
